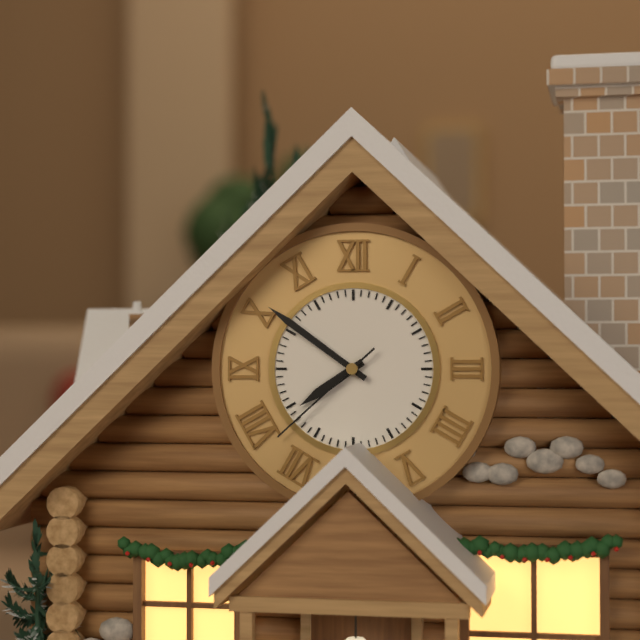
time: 7:51:38
